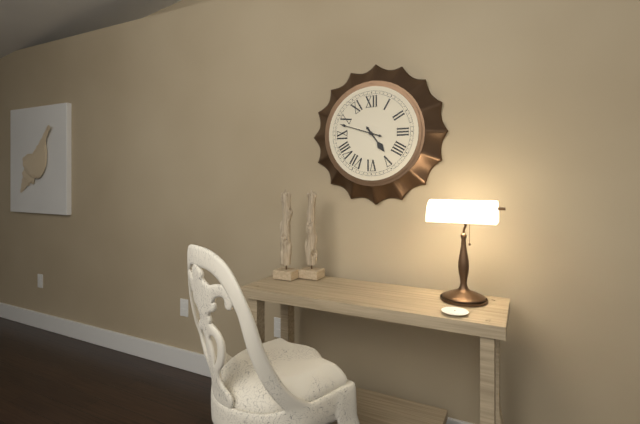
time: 4:48
